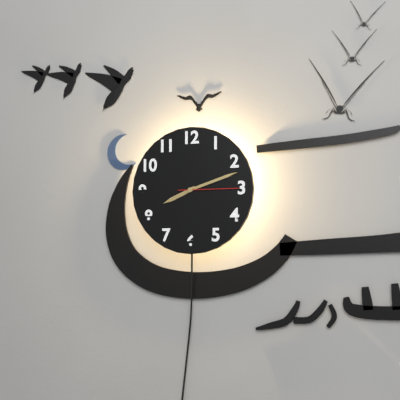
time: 8:12:15
